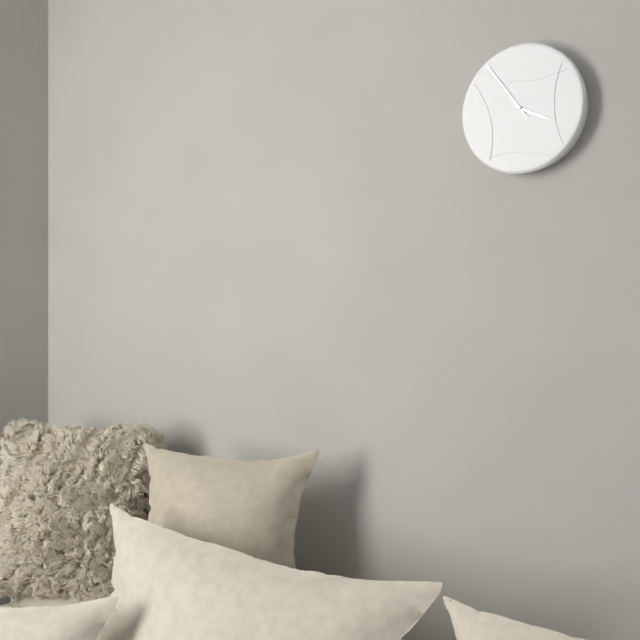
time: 3:54
